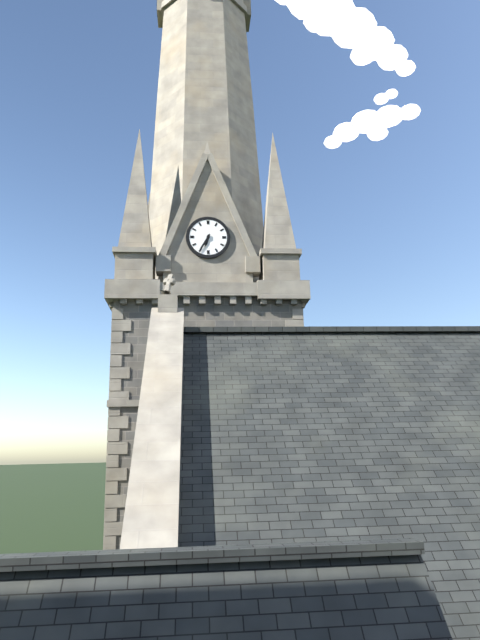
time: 6:35
